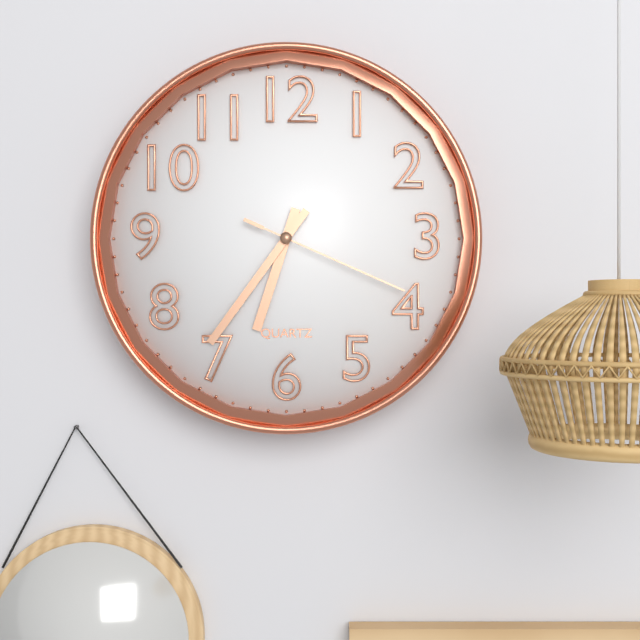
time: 6:36:19
